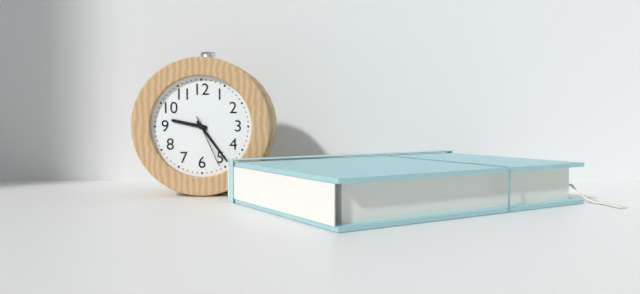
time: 9:24:26
